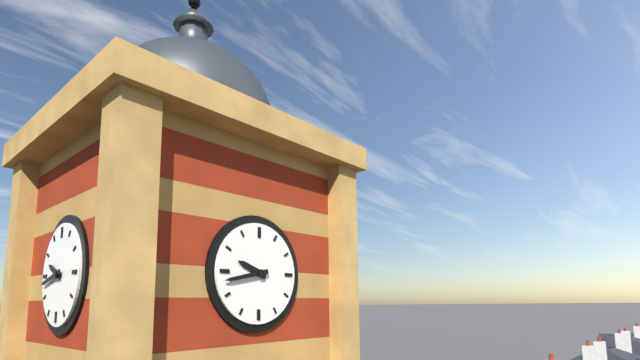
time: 9:43
